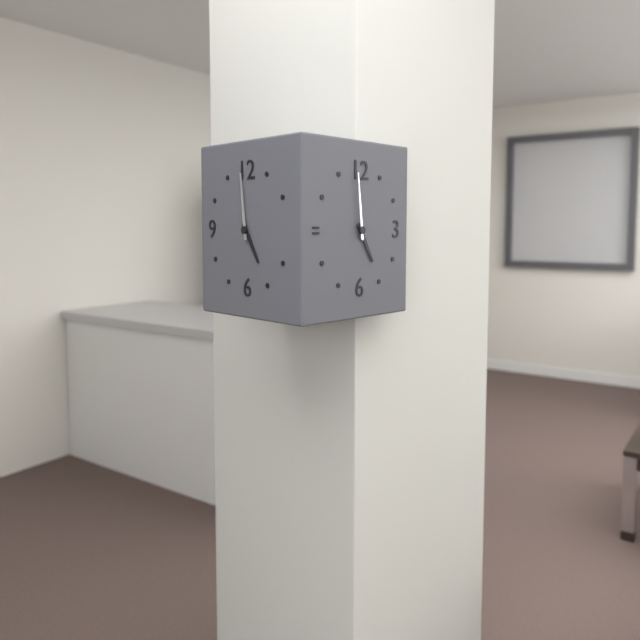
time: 4:59
